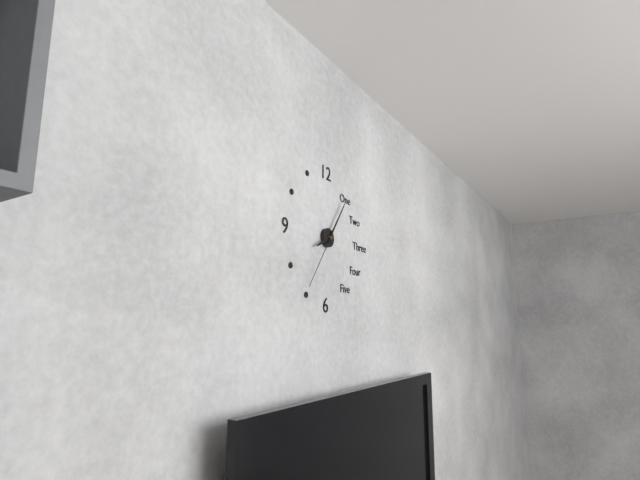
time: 8:06:36
